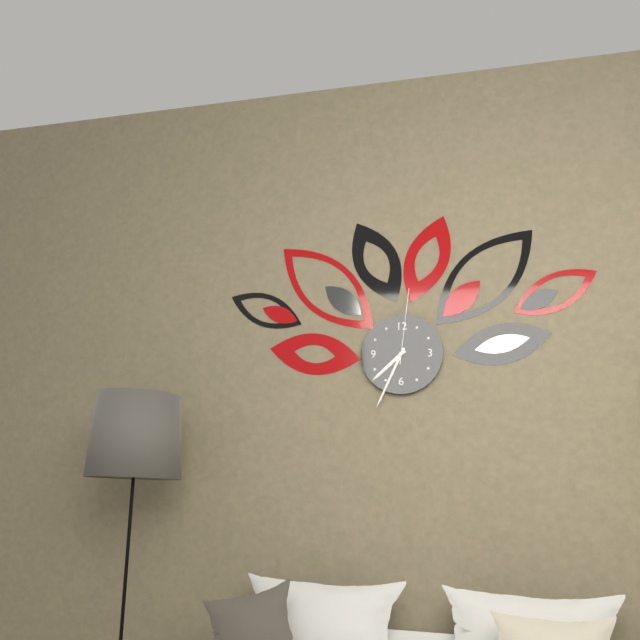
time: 7:34:01
